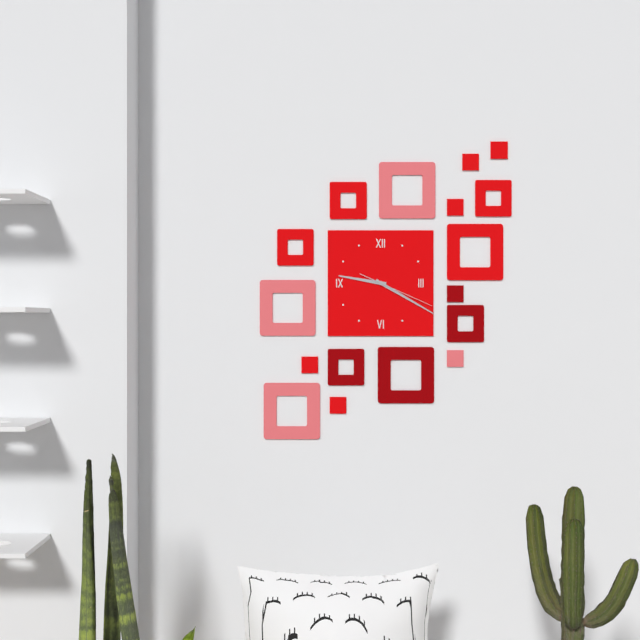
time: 9:20:19
